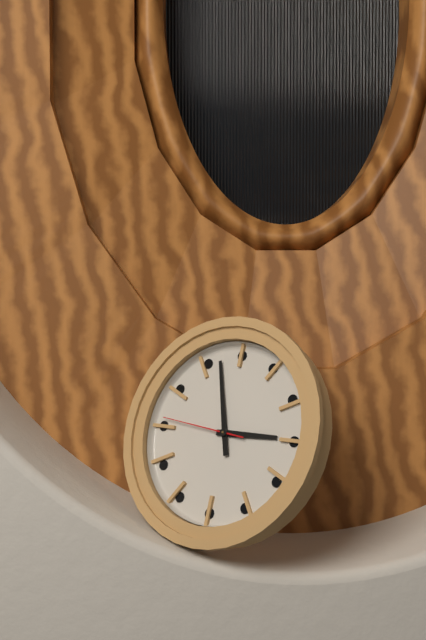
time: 2:57:46
